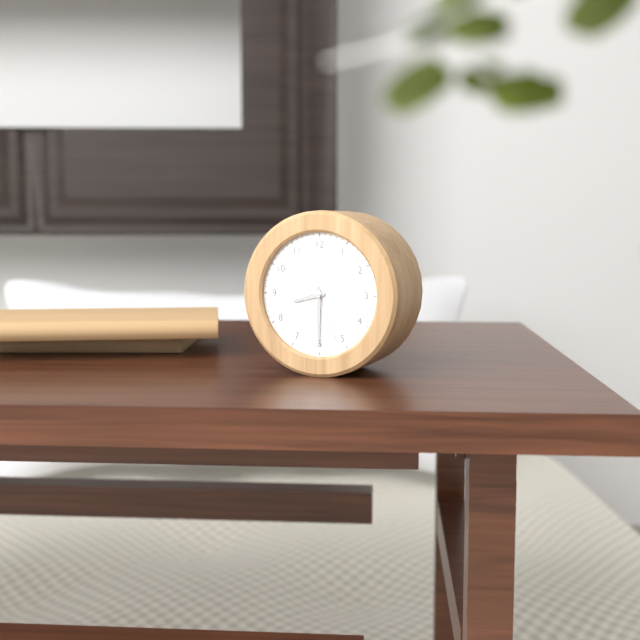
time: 8:30:26
